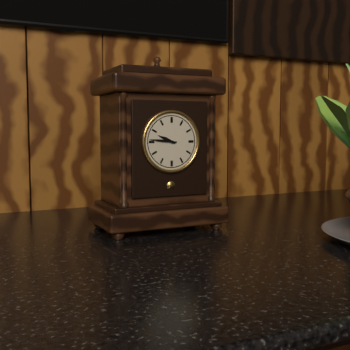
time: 9:46
